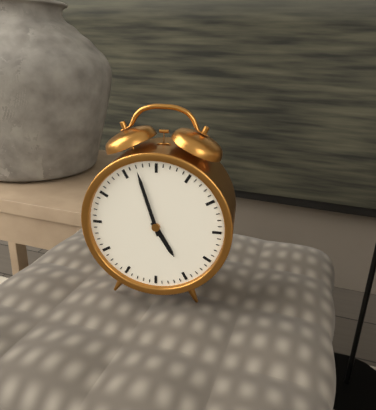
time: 4:57
